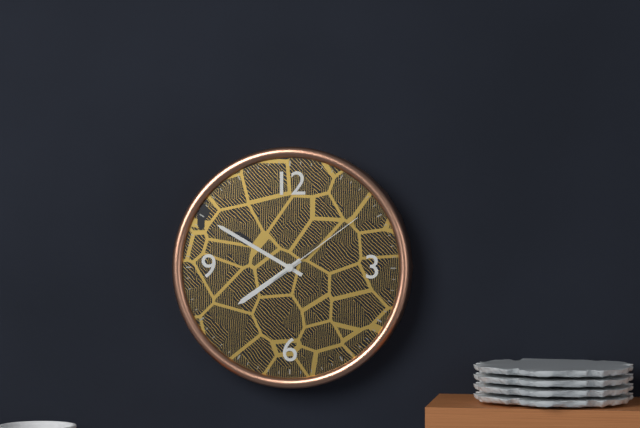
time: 7:50:09
